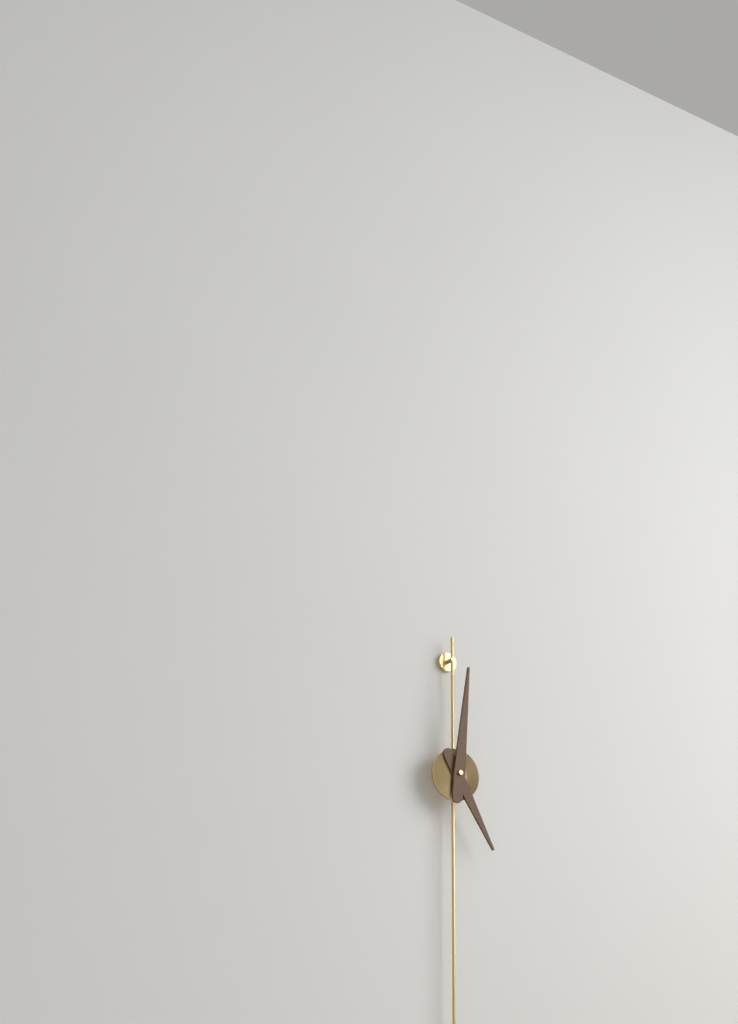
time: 5:01
